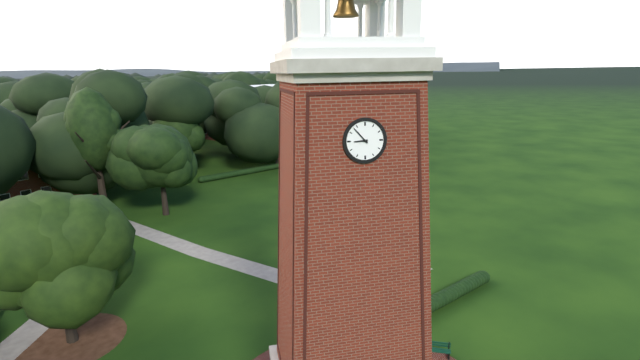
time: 8:53
